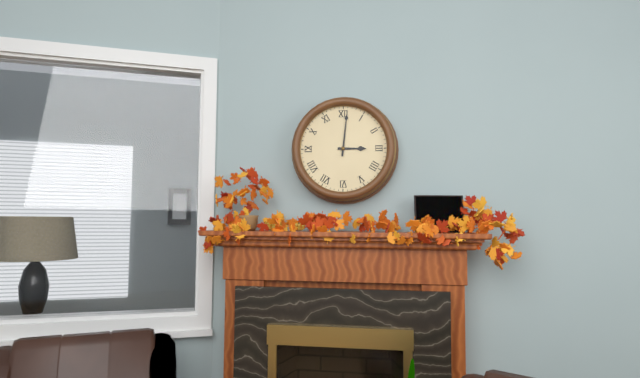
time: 3:01
